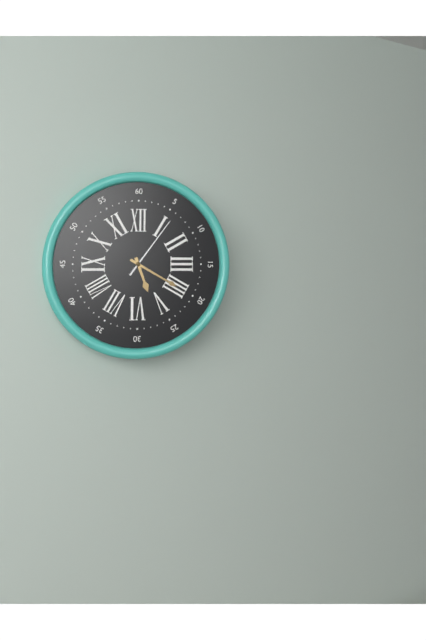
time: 5:20:06
